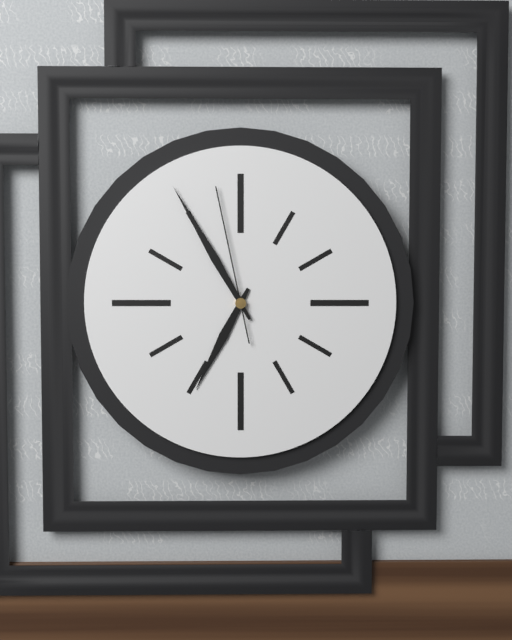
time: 6:55:58
